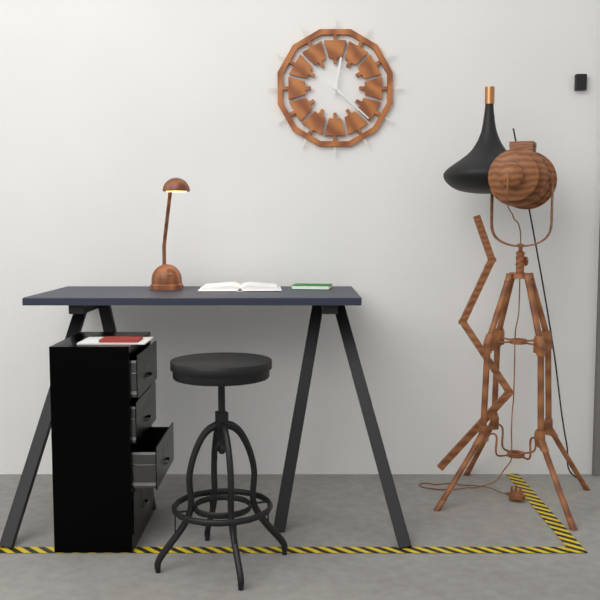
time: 12:22
